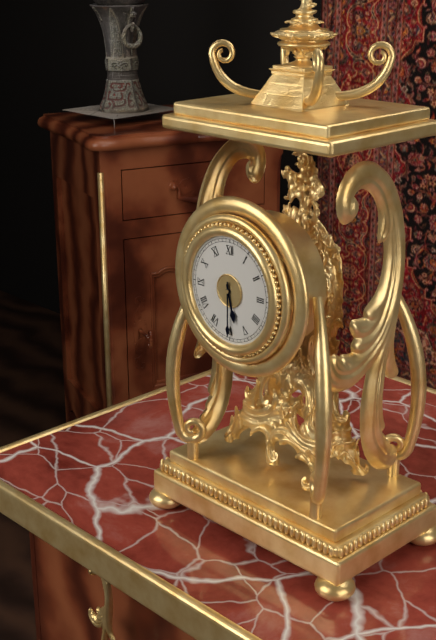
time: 5:30
